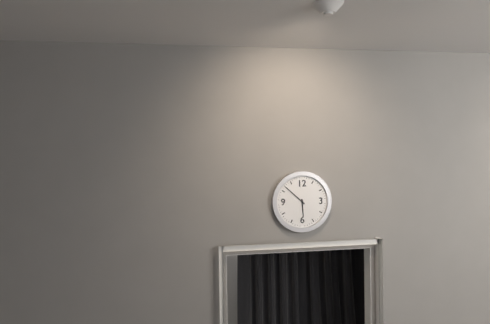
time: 5:52
